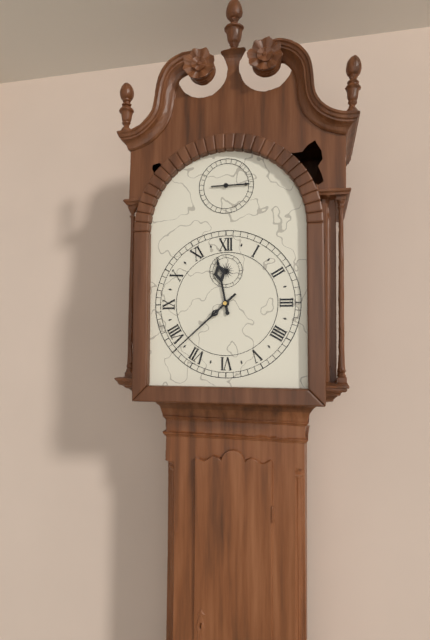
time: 11:38
